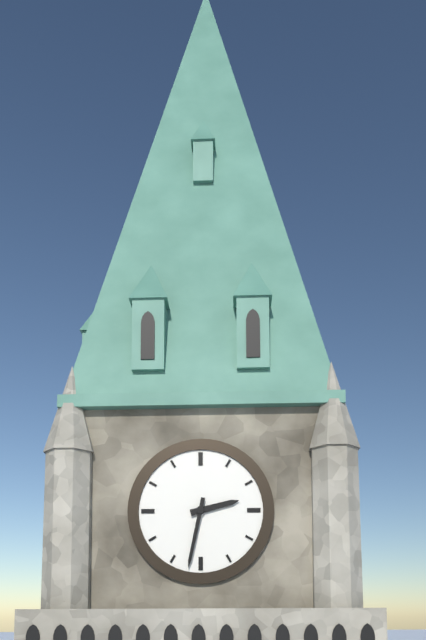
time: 2:32
